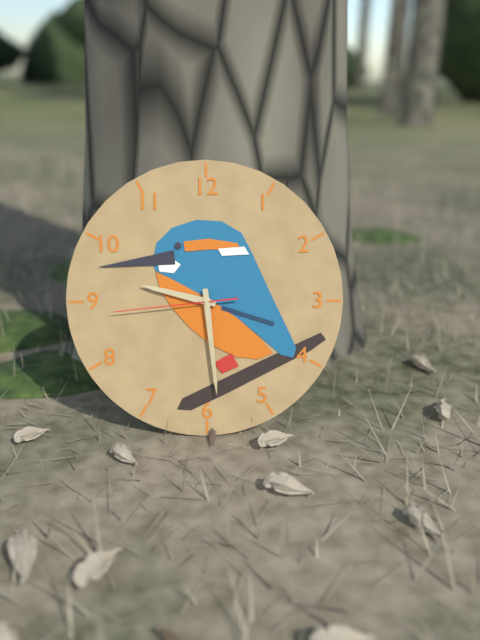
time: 9:29:44
